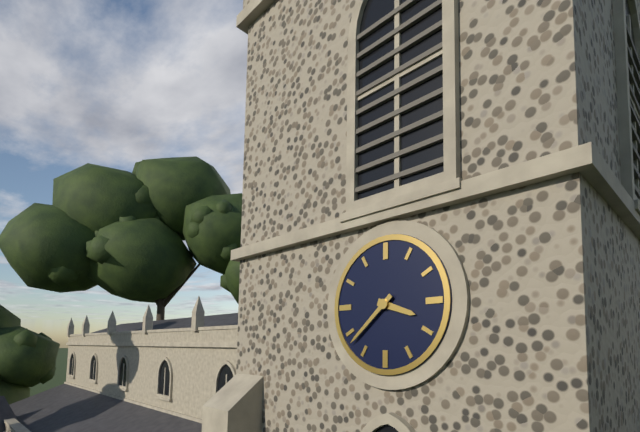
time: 3:38
